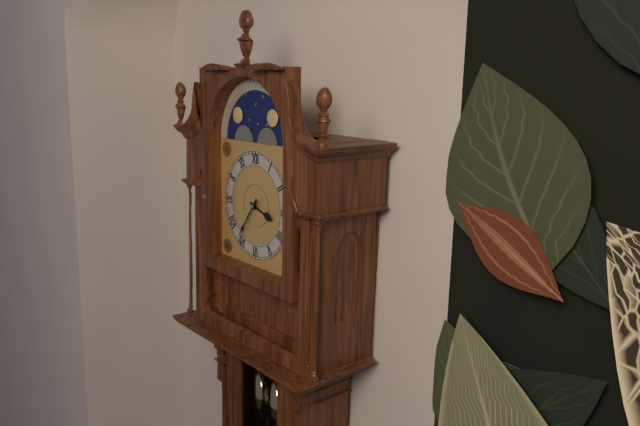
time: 3:36
